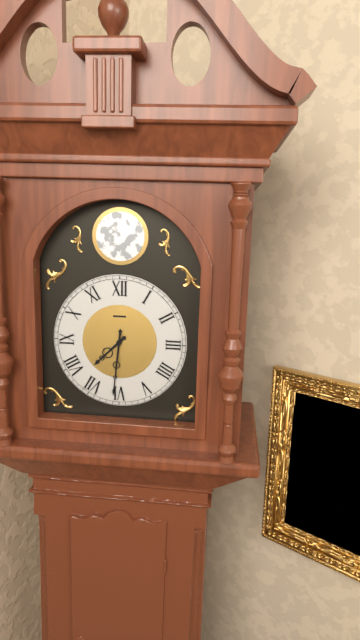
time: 7:31
